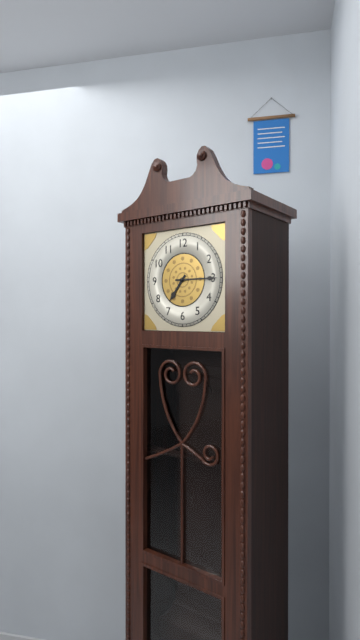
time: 7:15
